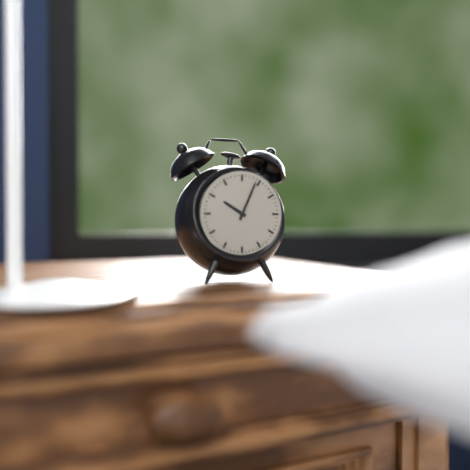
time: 10:04
